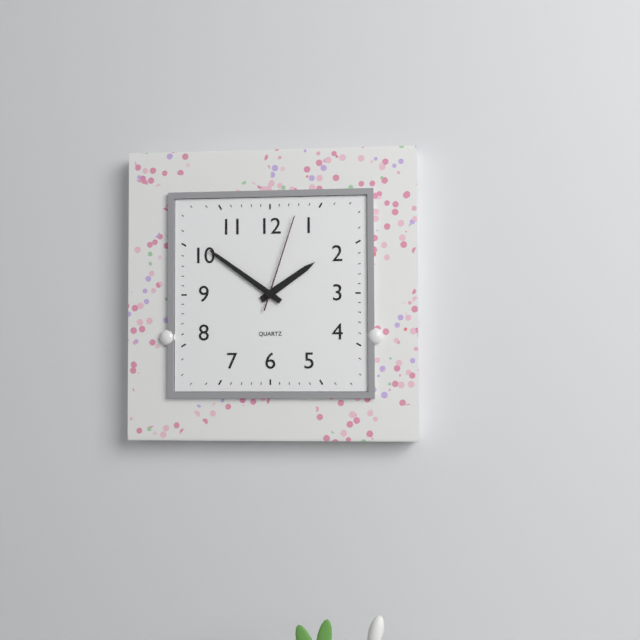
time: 1:51:03
